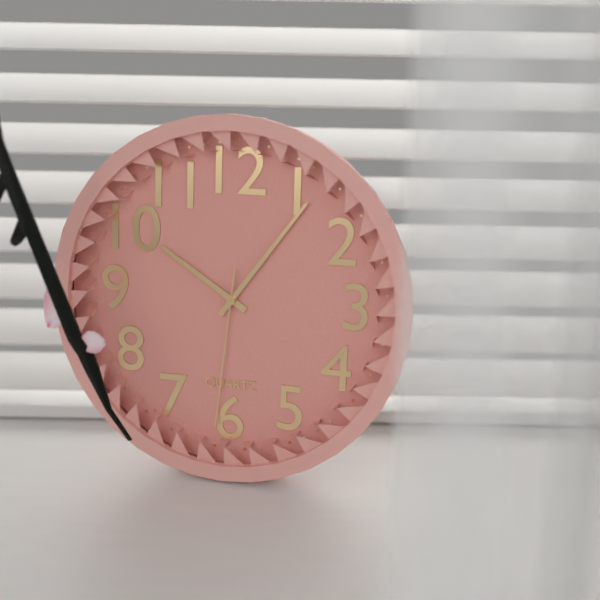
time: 10:06:31
